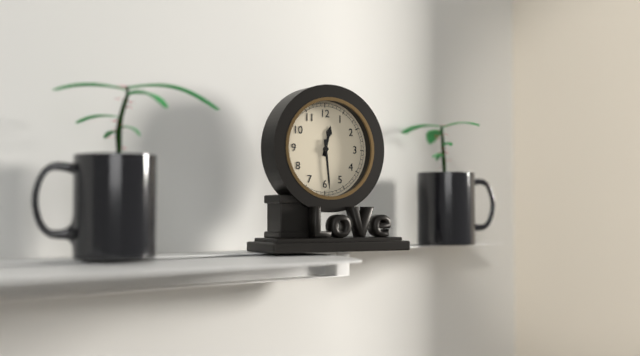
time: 12:29
